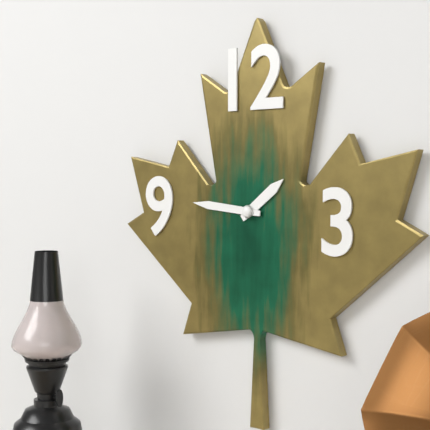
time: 1:46
